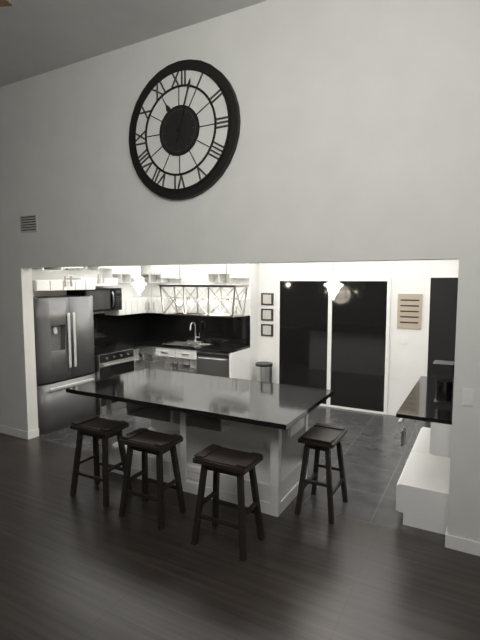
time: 11:03
